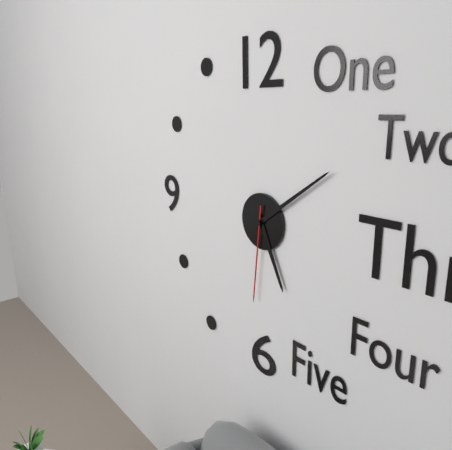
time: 5:09:31
